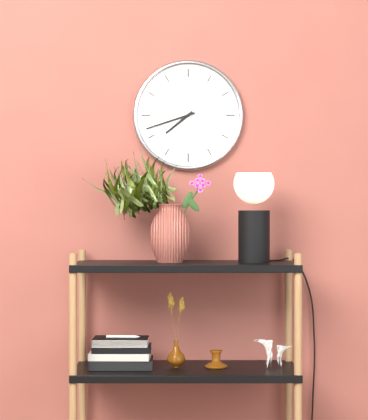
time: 7:42
